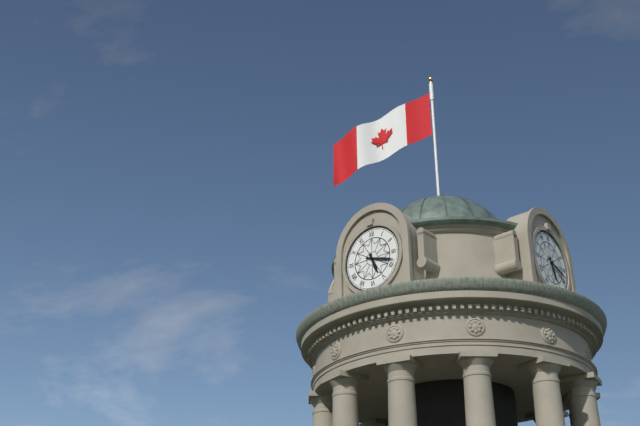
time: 5:18
